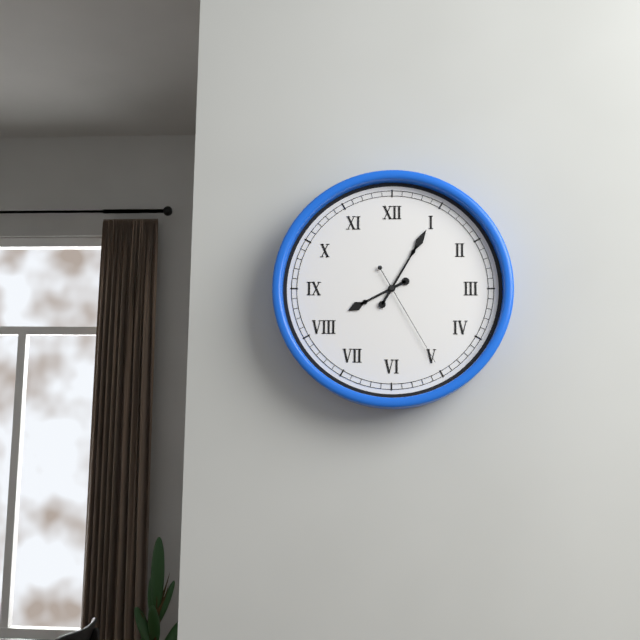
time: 8:05:25
